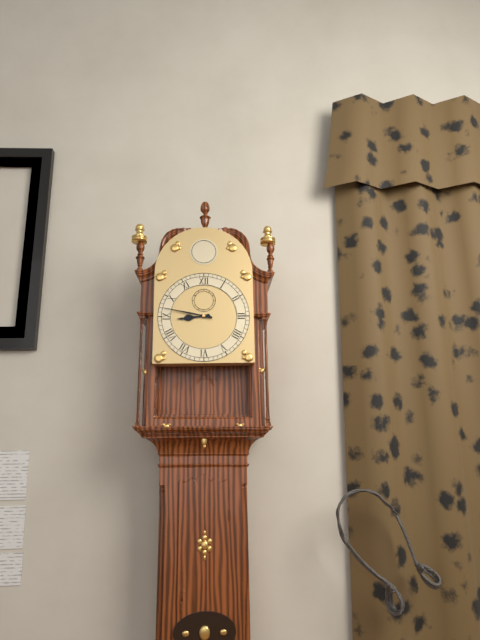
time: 8:47
